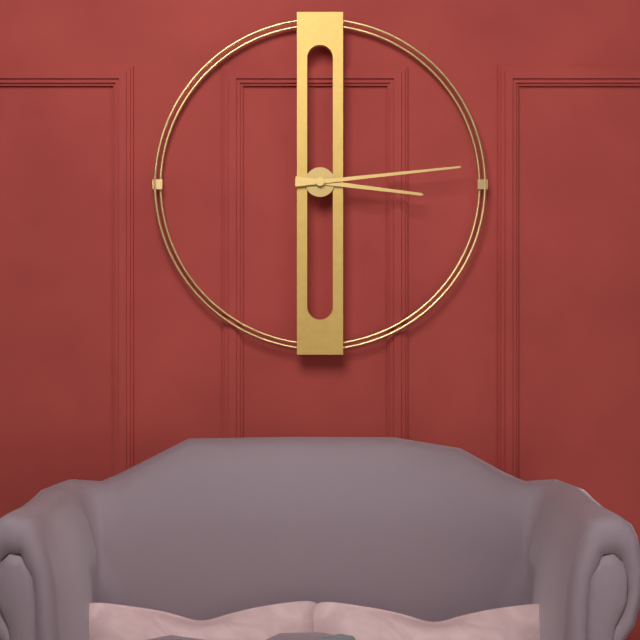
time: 3:14
